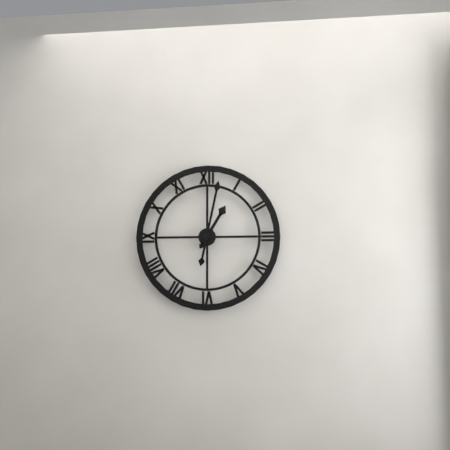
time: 1:02
